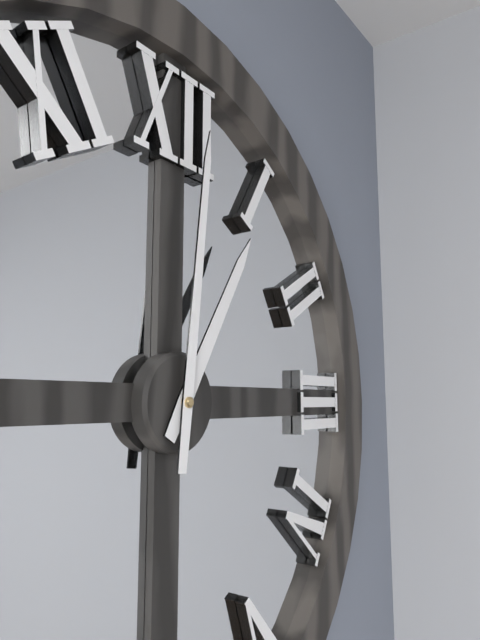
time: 1:01
